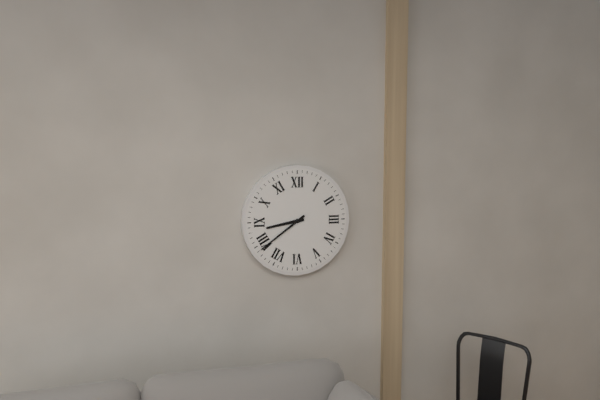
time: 8:39
